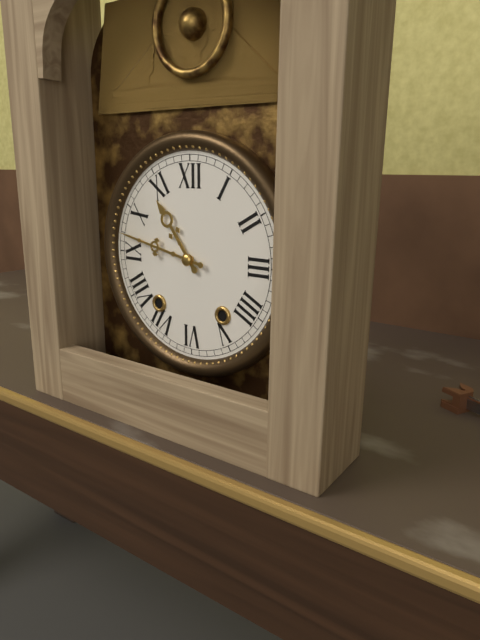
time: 10:47
